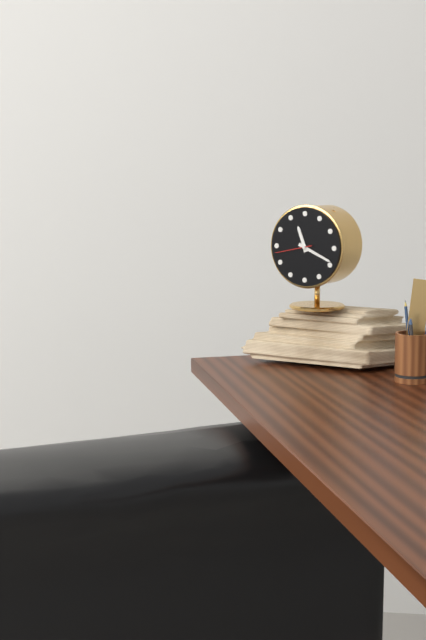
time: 11:19
